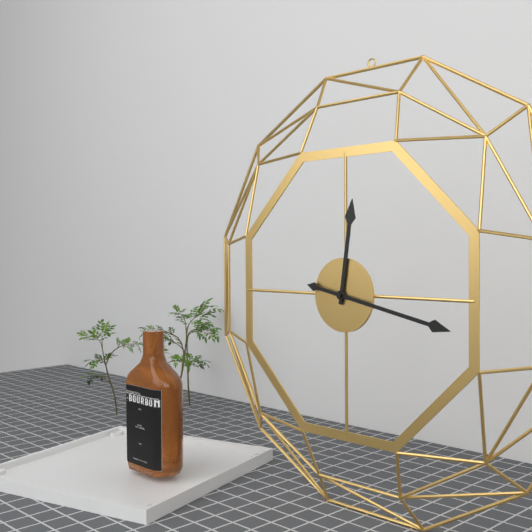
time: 12:17
